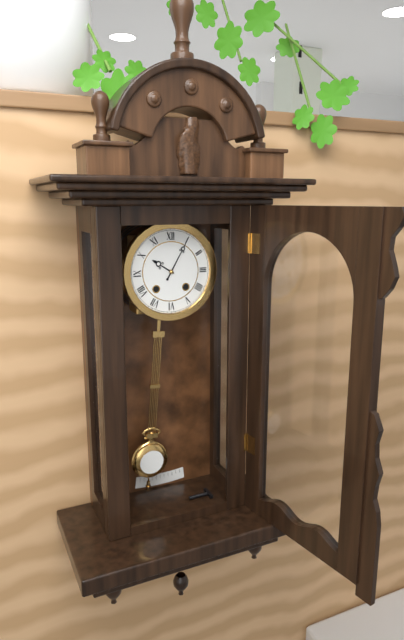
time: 10:05
